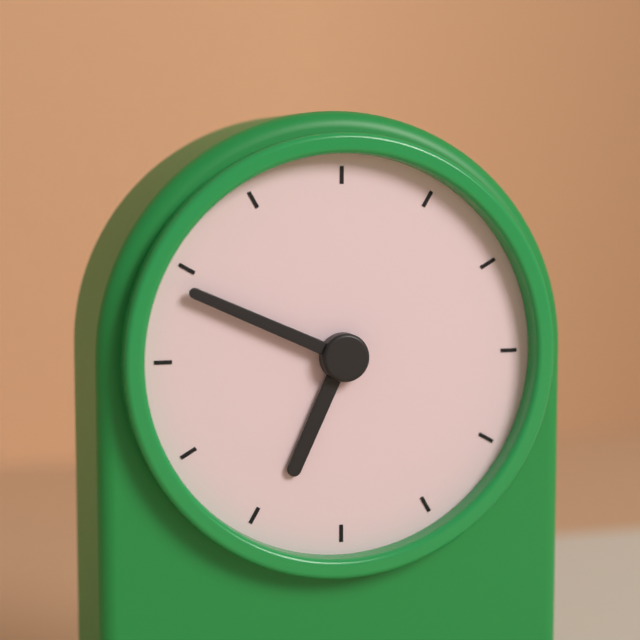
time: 6:49
